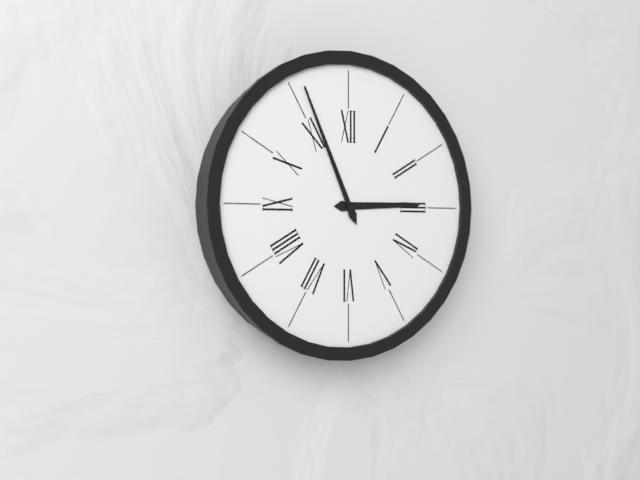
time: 2:56
